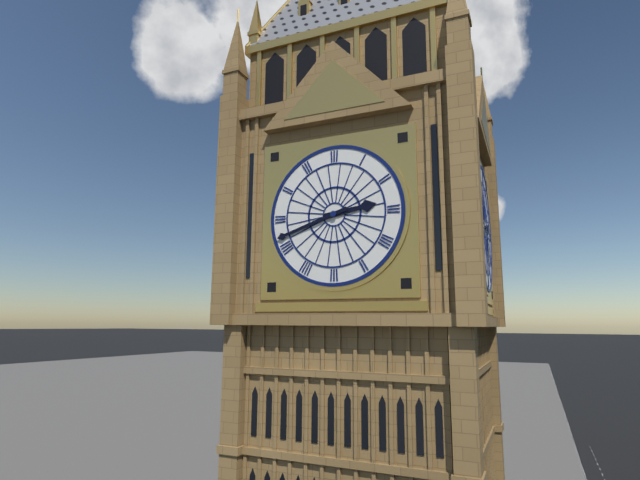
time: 2:42
